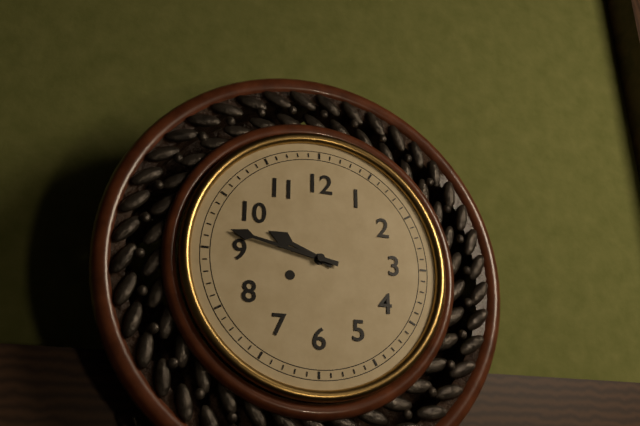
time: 9:47
